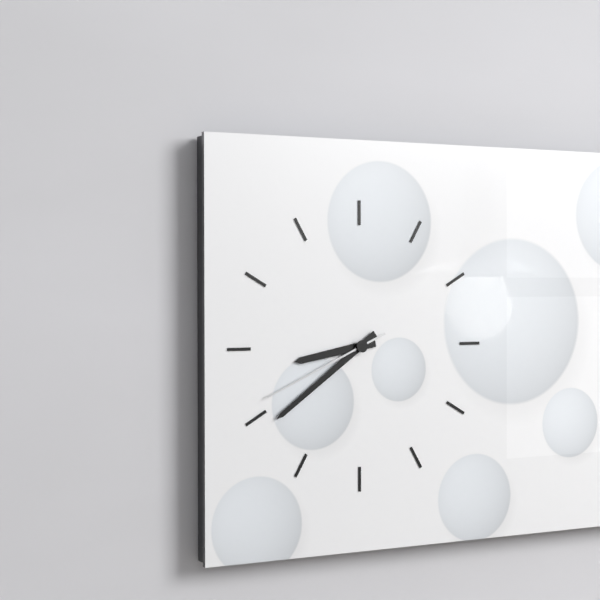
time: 8:39:41
